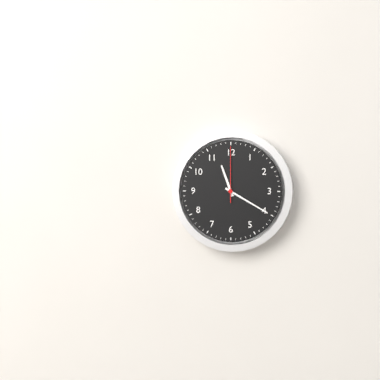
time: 11:20:00
